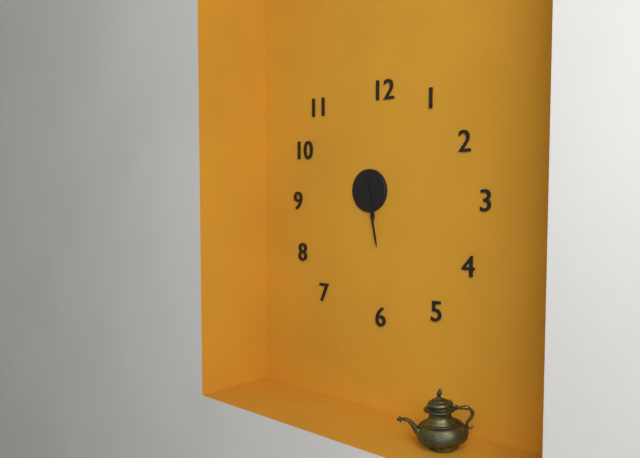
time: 5:28
